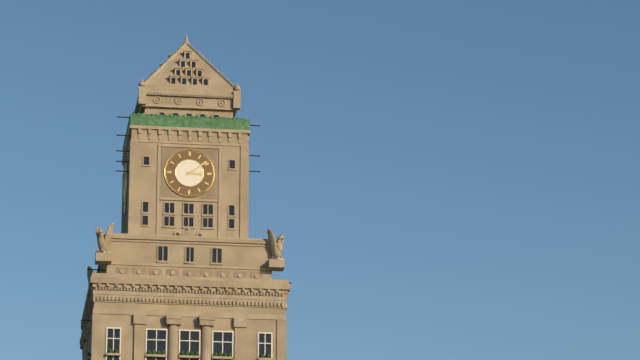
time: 3:09
